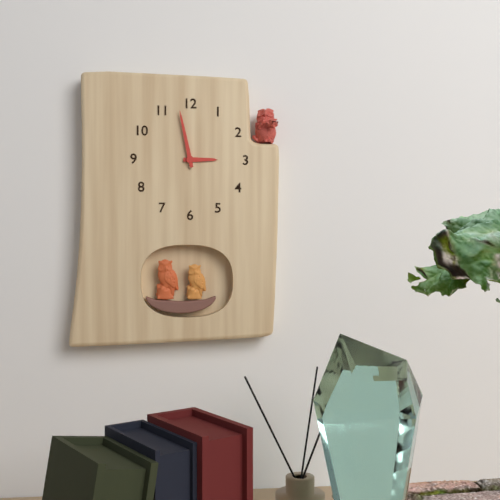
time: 2:58
